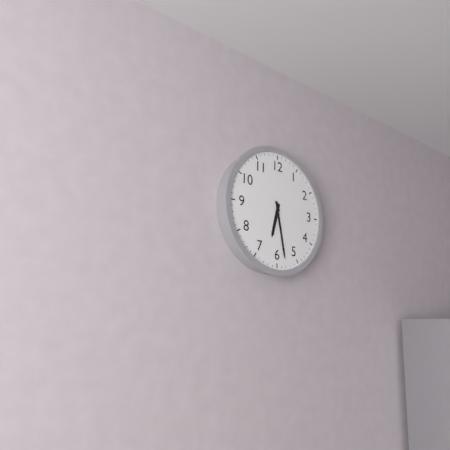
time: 6:28
